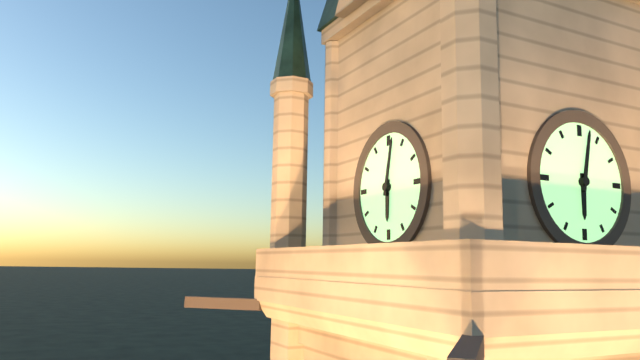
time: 6:02
